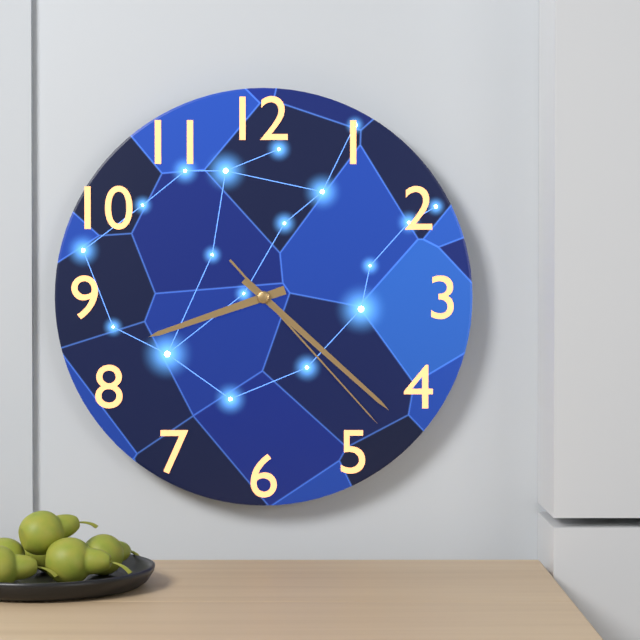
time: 8:22:23
